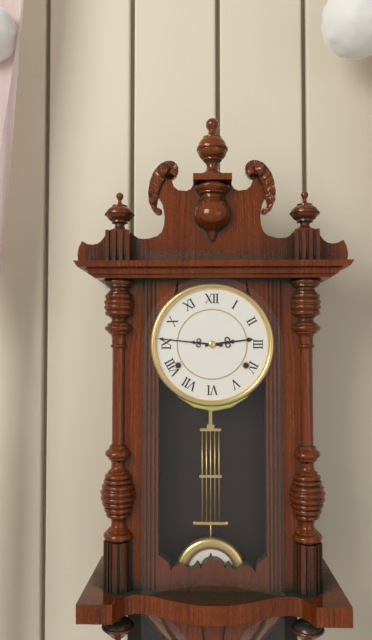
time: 2:46
